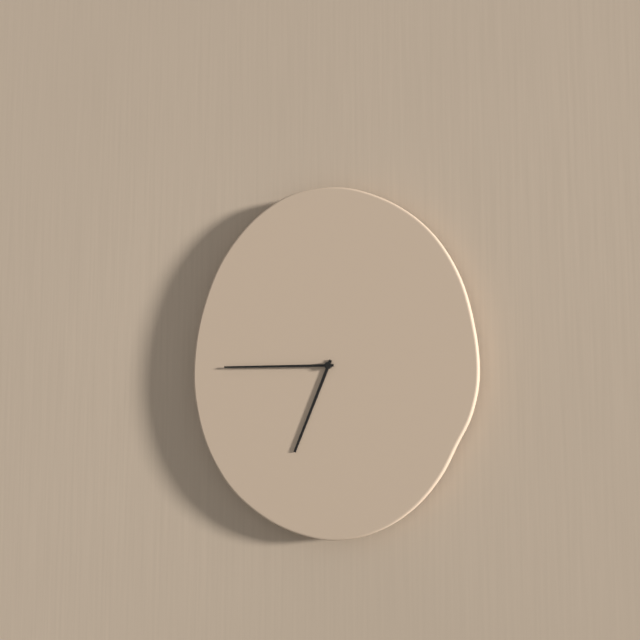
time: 6:45
